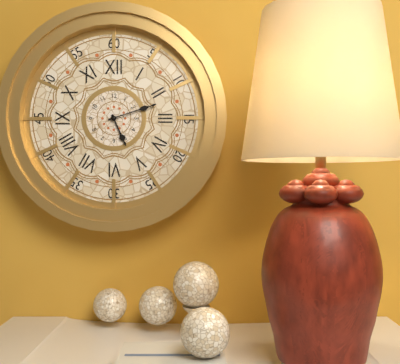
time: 5:12
